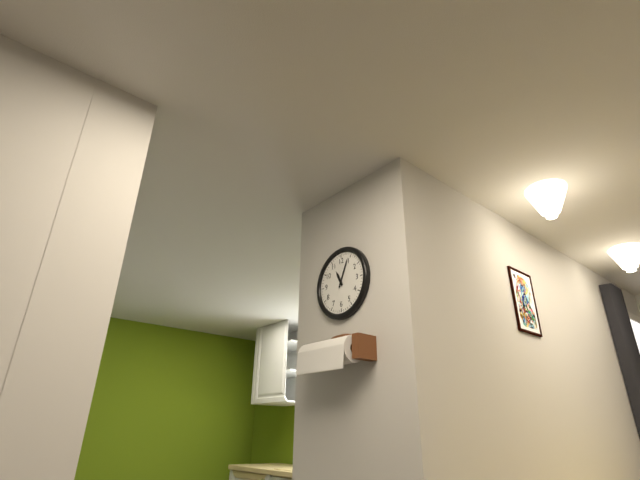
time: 11:04
